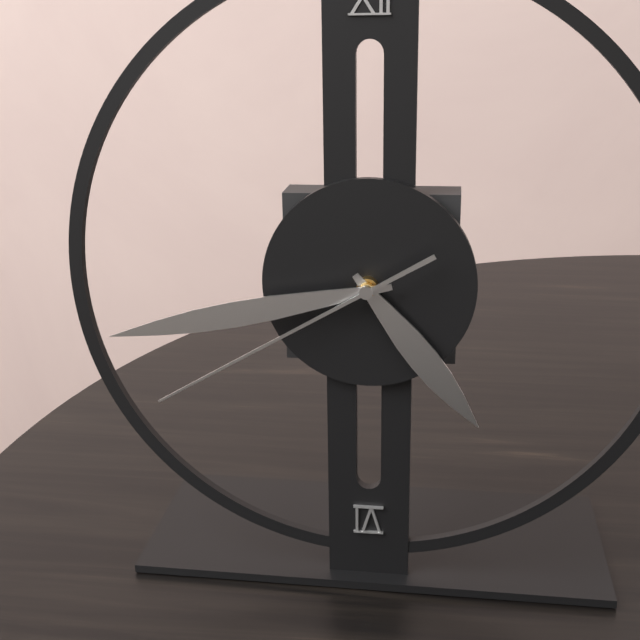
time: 4:43:40
